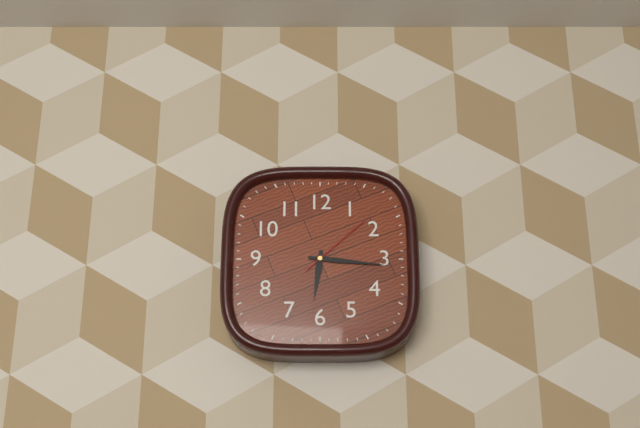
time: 6:16:08
